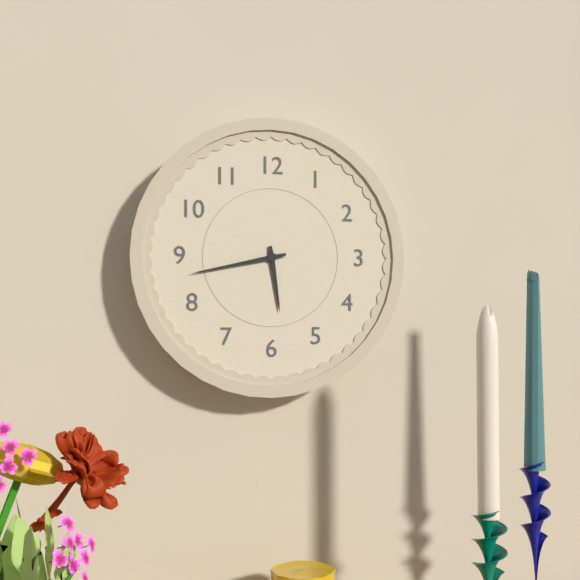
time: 5:43
